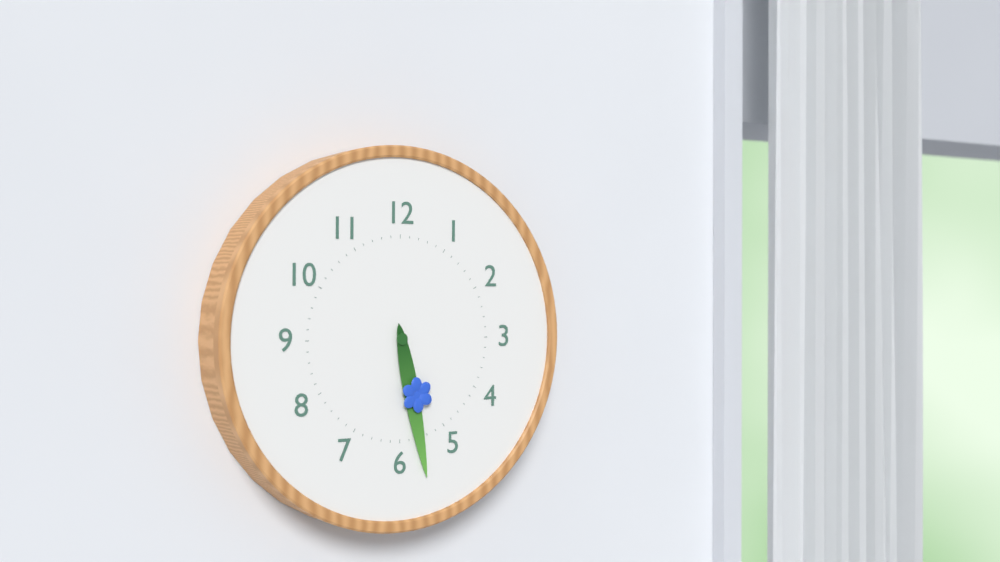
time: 5:28
